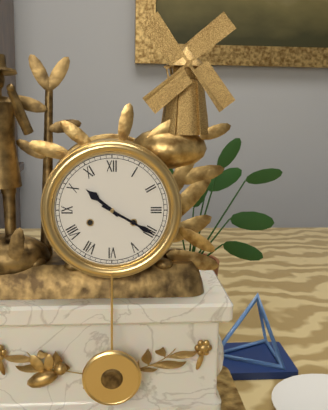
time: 10:20
